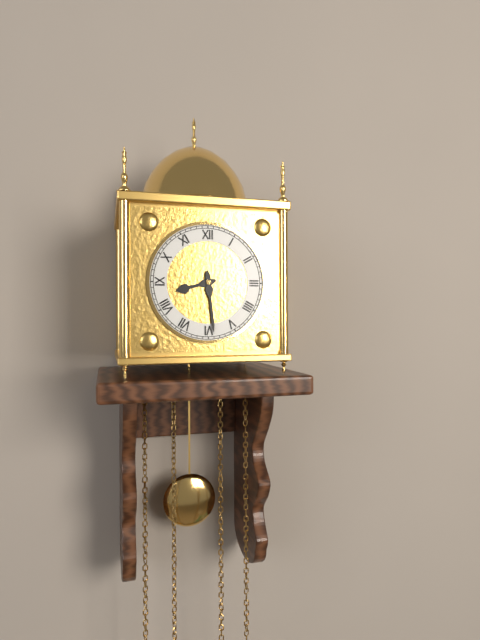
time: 8:29
